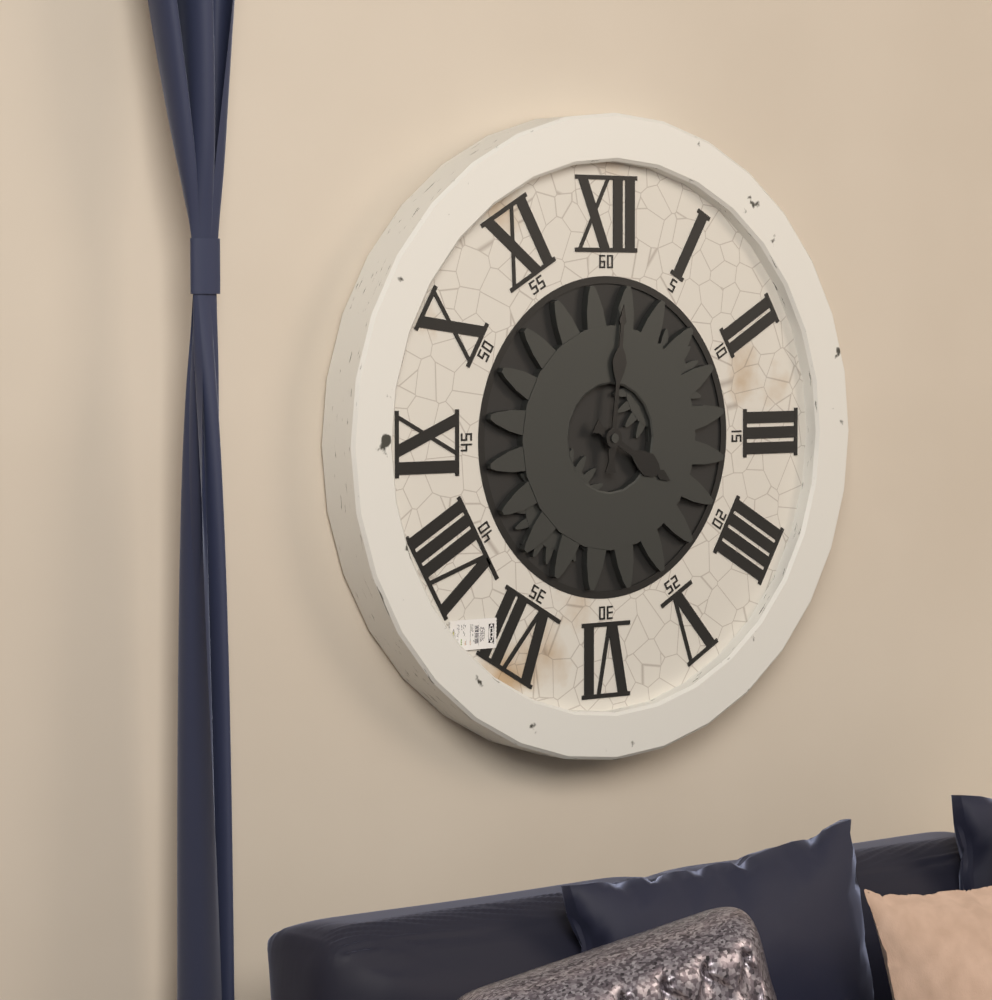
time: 4:01
